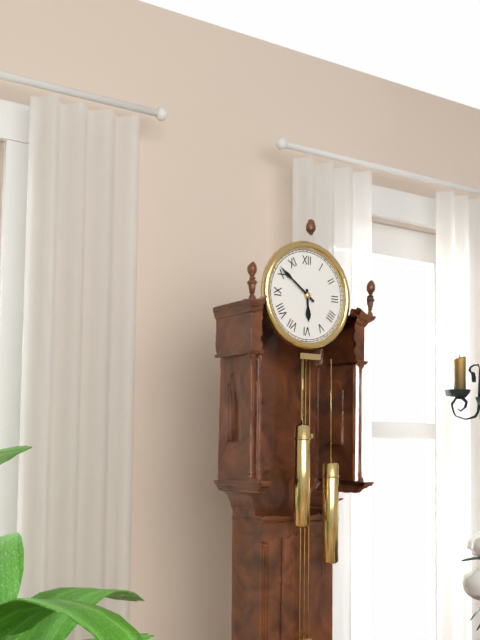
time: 5:51
